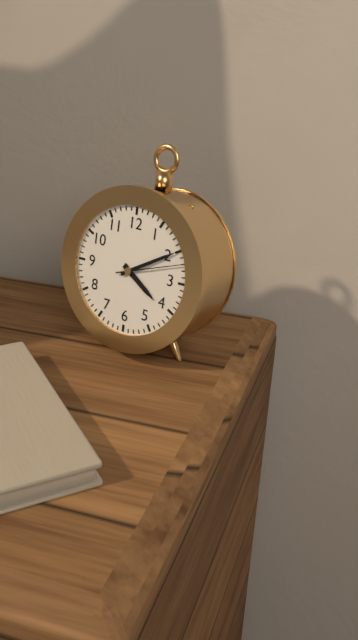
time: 4:10:12
